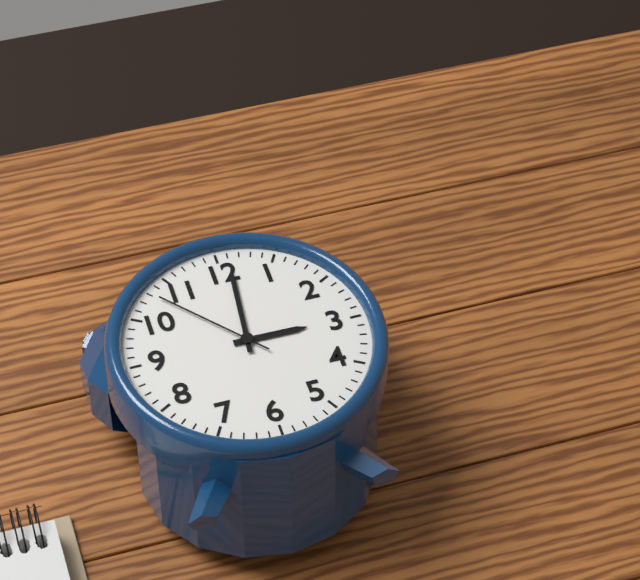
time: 3:01:53
